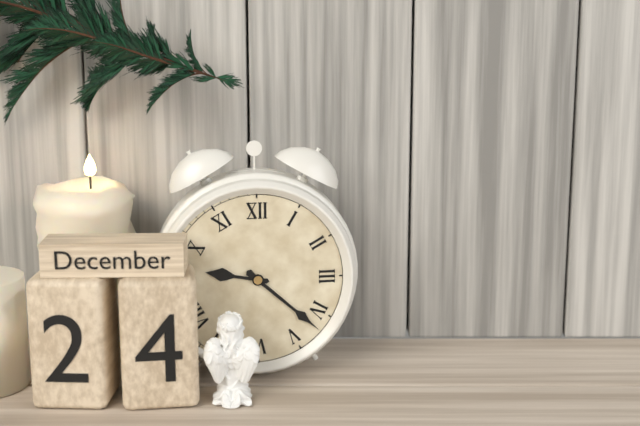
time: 9:22
